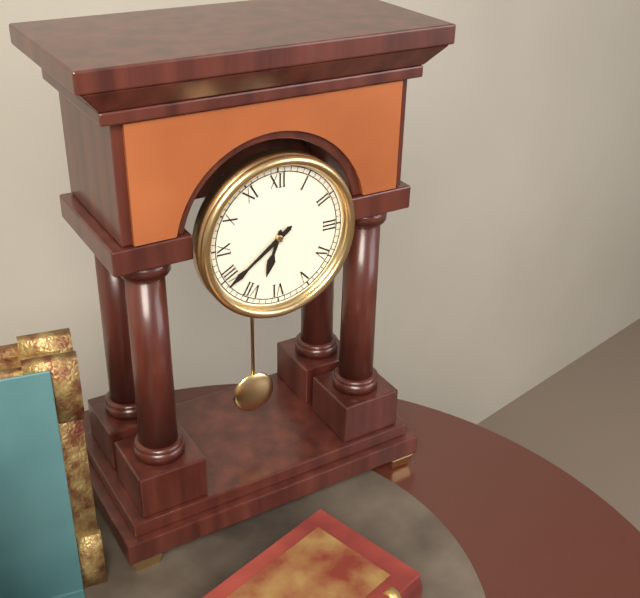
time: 6:39
